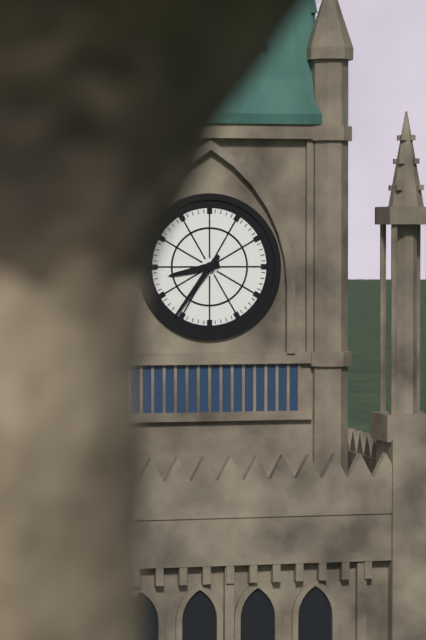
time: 8:36
